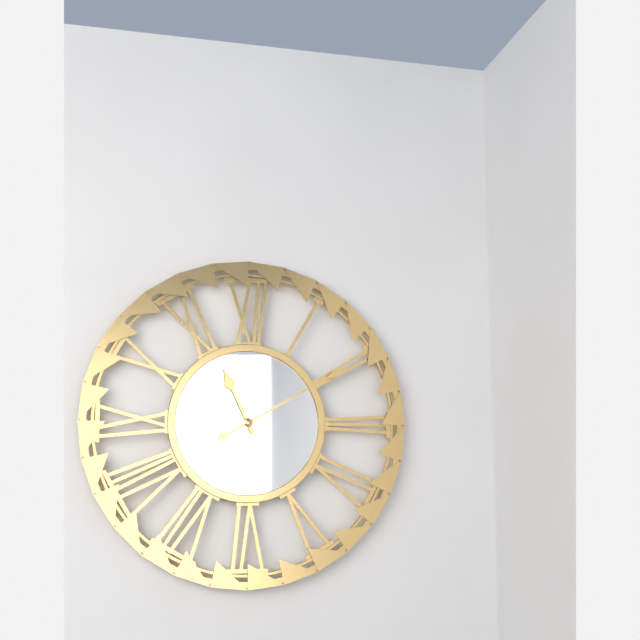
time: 11:10
